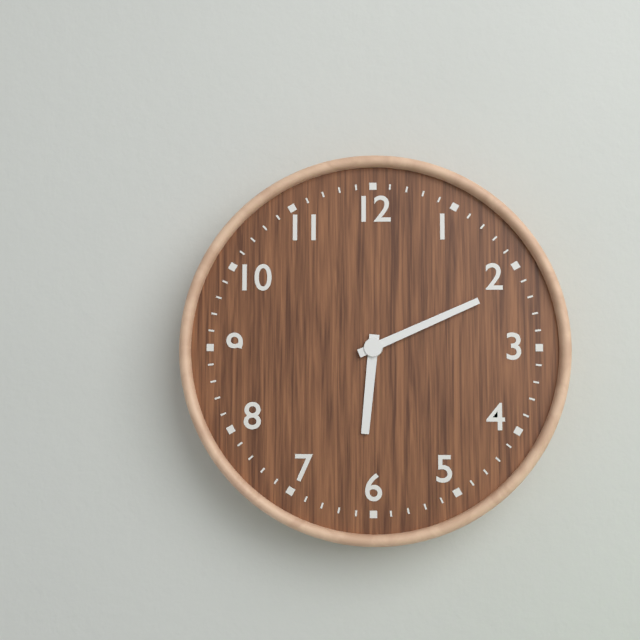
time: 6:11
